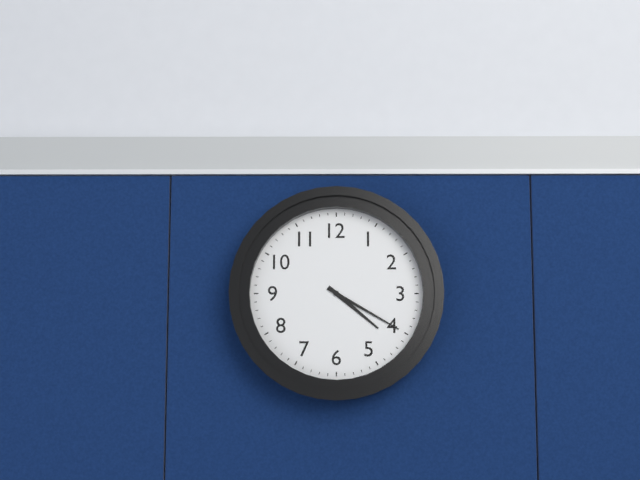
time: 4:20
